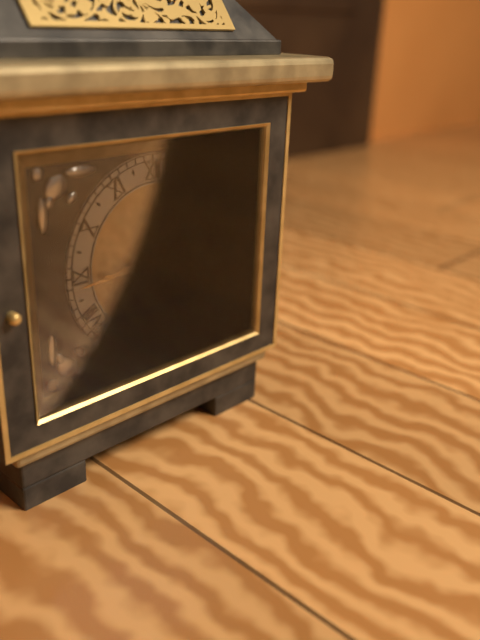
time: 4:44
